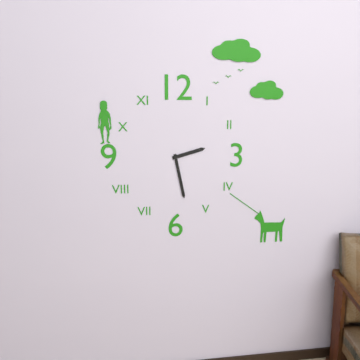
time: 2:28
